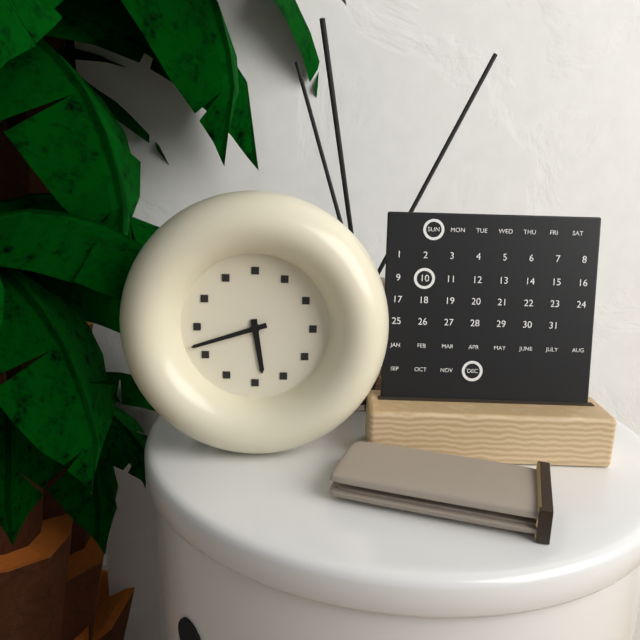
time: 5:42
